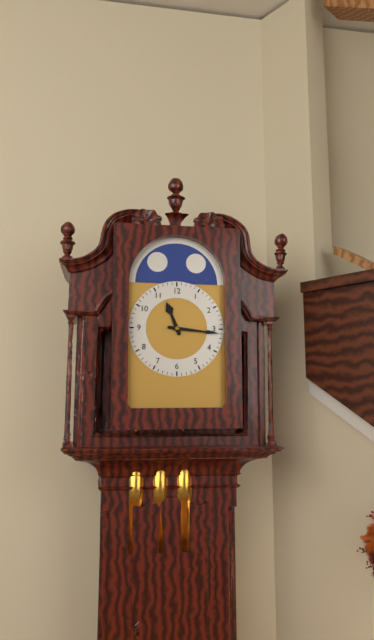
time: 11:16
